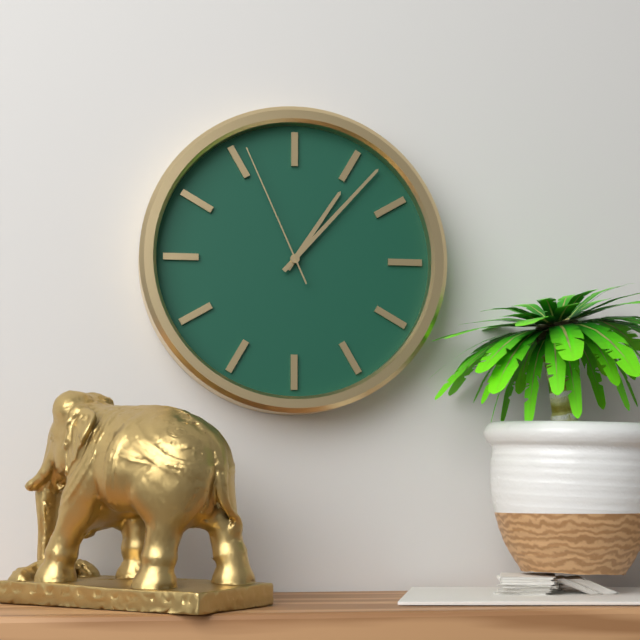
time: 1:07:56
